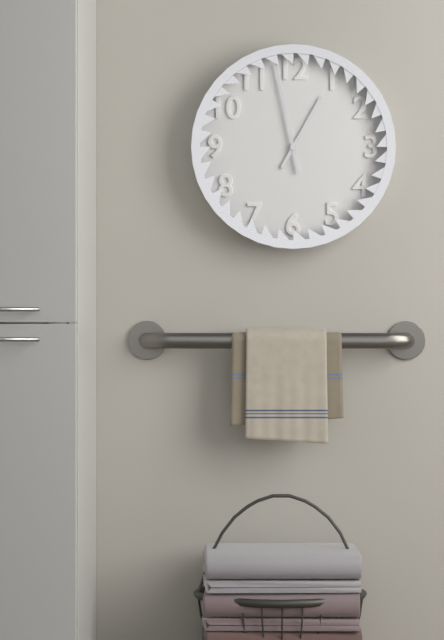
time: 12:58
